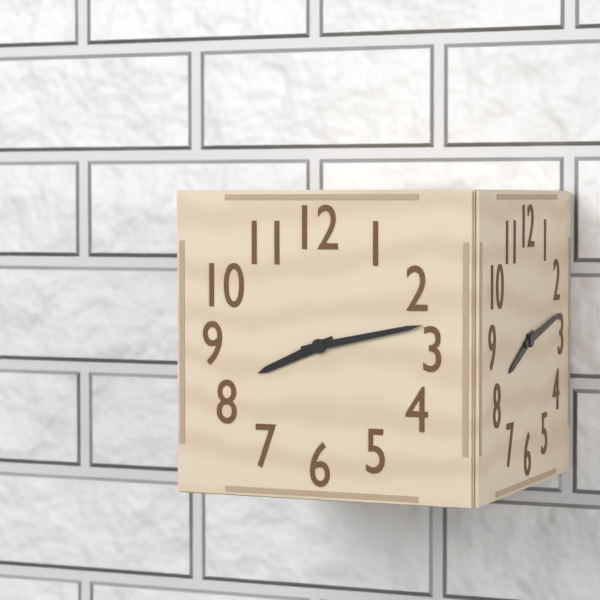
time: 8:13
